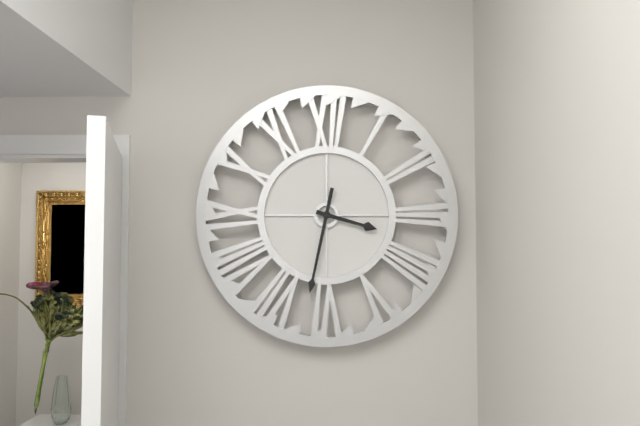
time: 3:32
